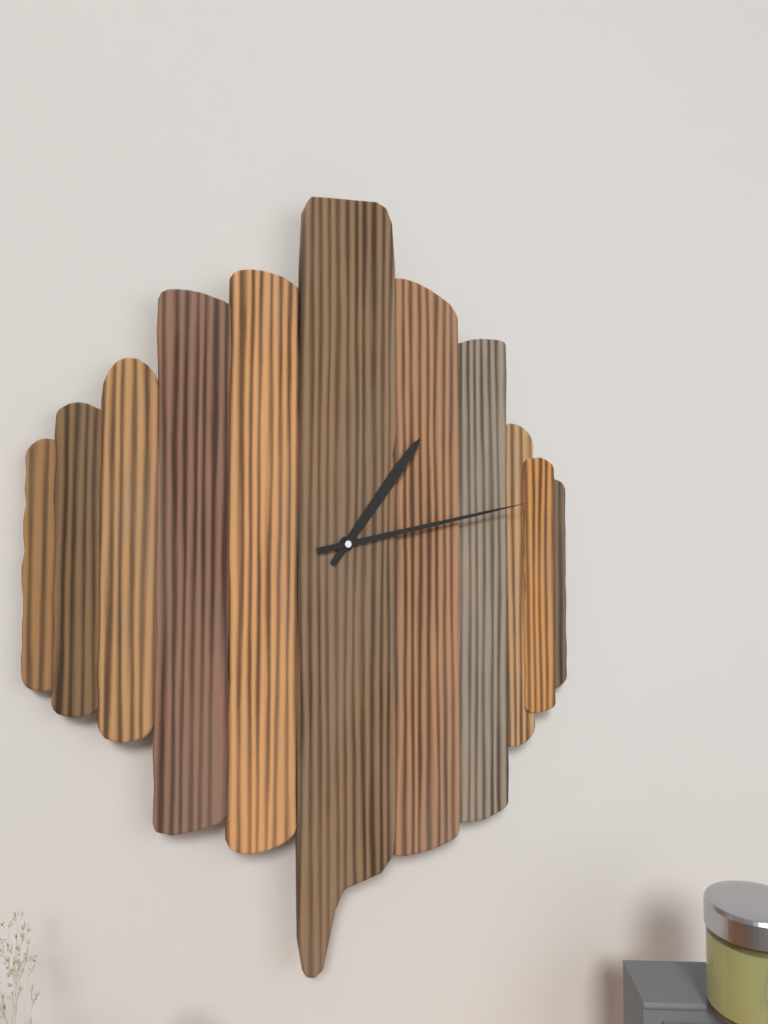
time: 1:13
